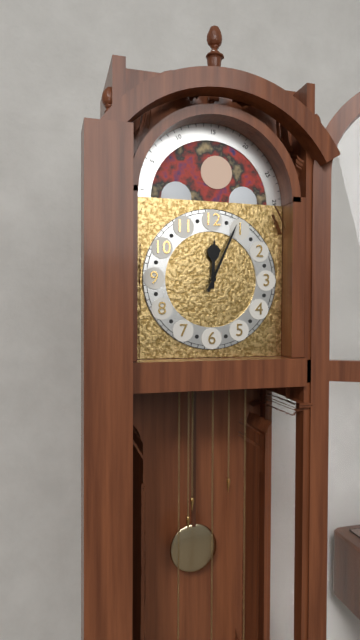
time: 12:04
